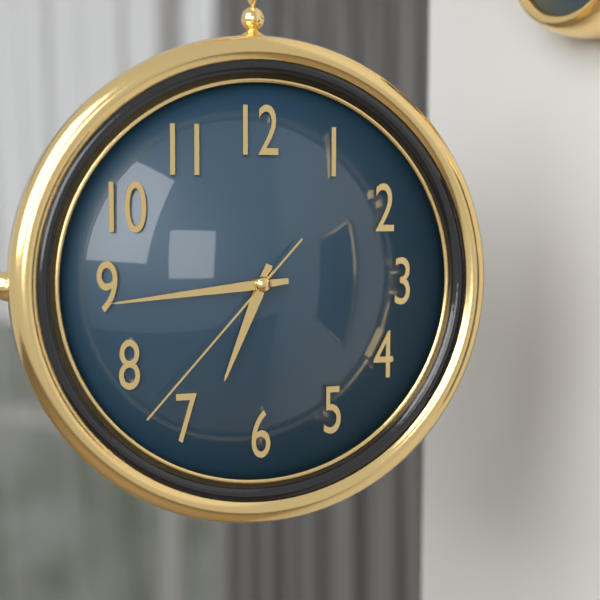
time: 6:44:37
